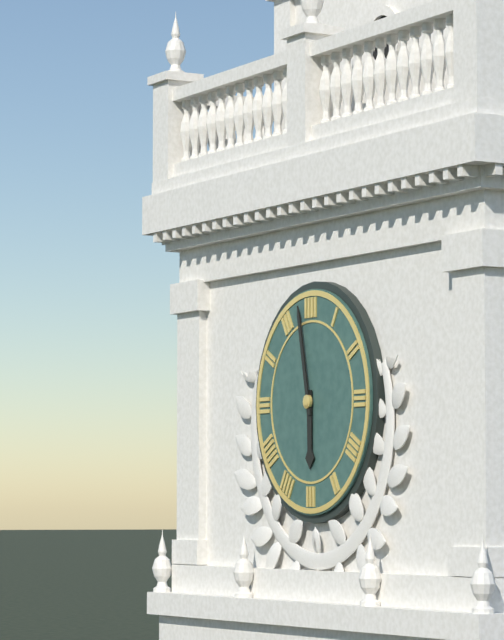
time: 5:58
